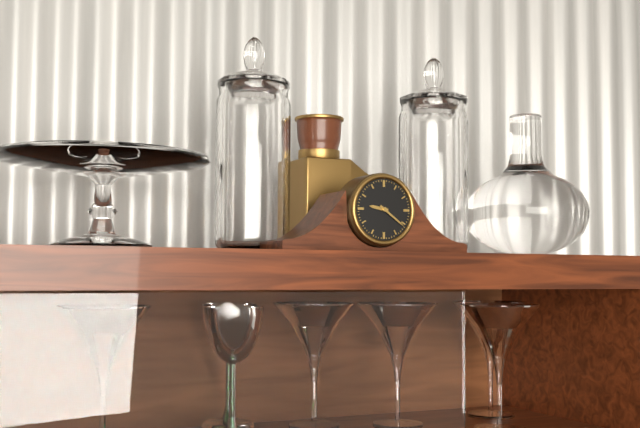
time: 9:21
